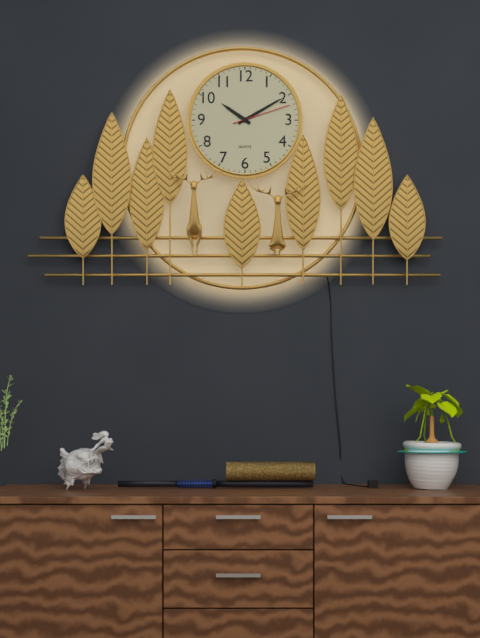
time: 10:10:12
